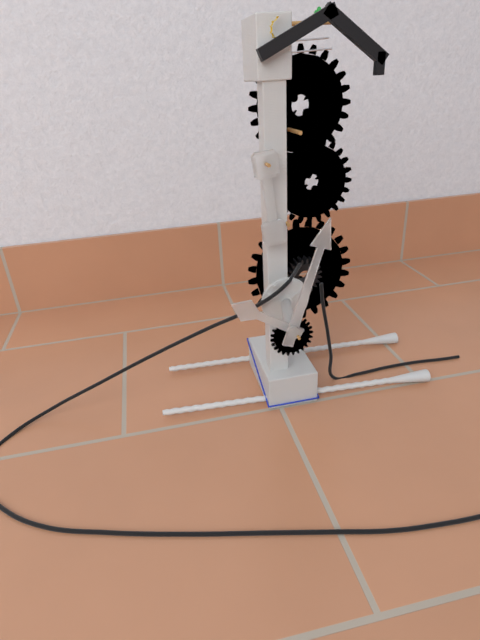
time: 10:03
